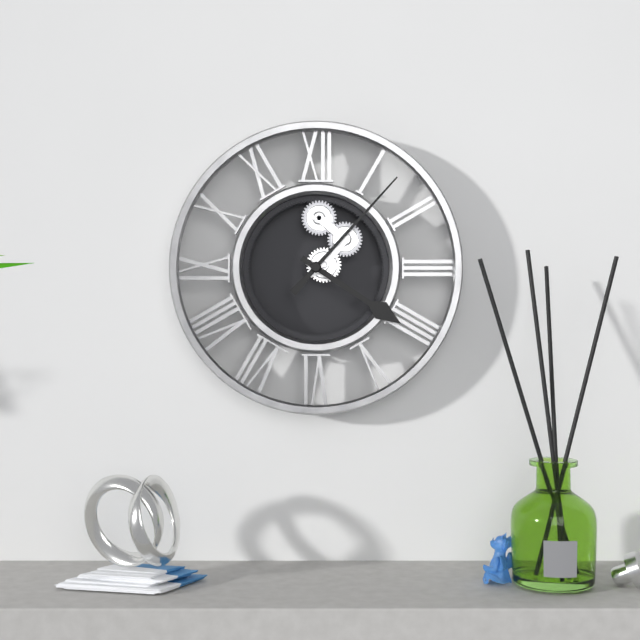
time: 4:07
